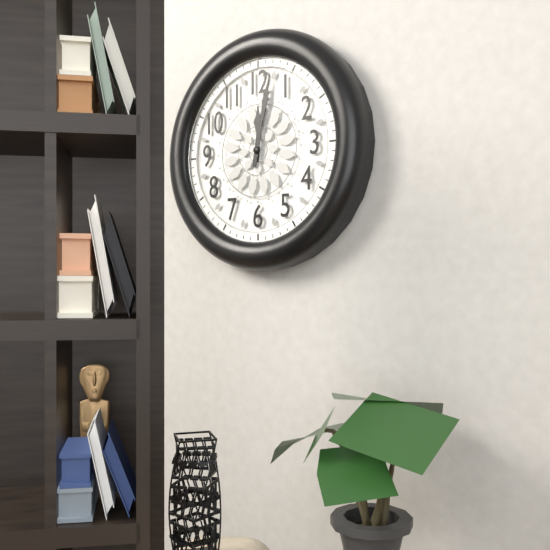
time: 12:02
